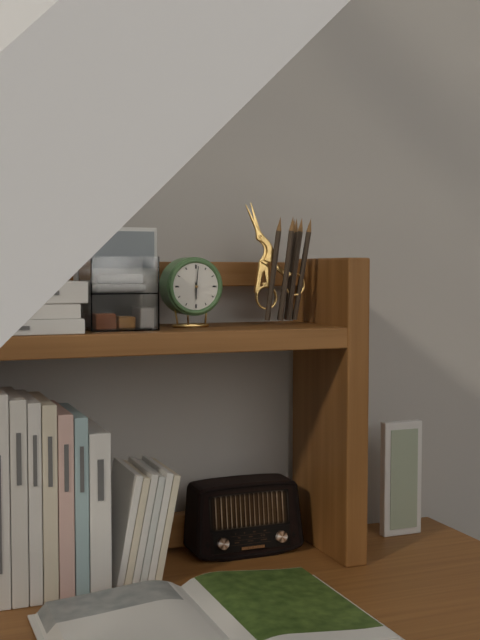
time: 6:01
